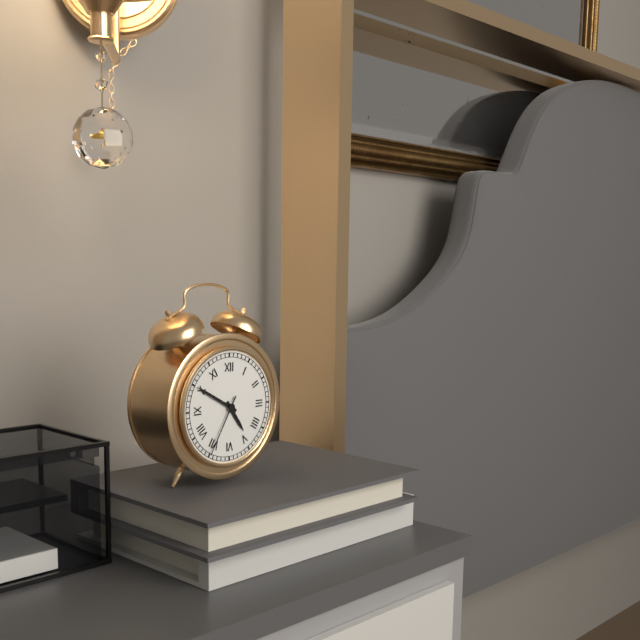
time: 4:50:35
